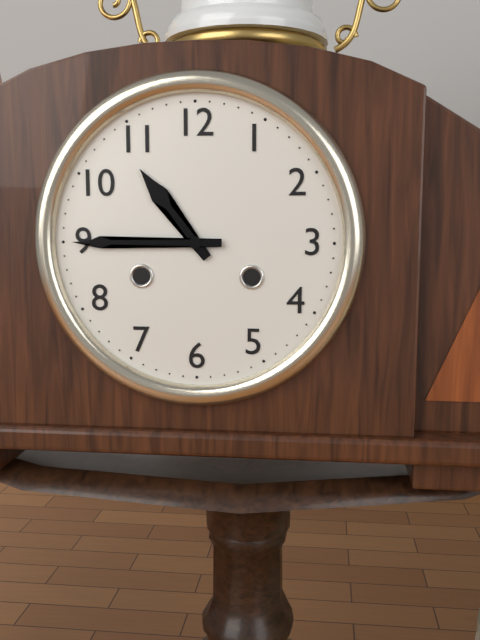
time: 10:45
